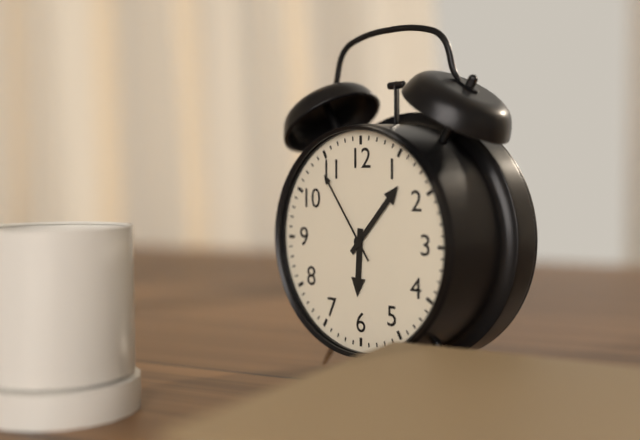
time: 6:07:54
